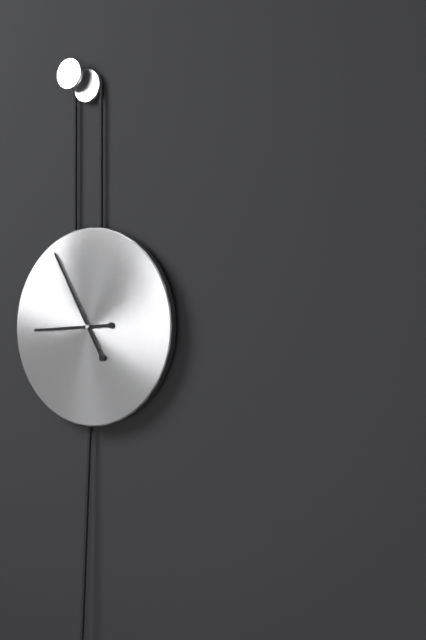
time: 8:55
